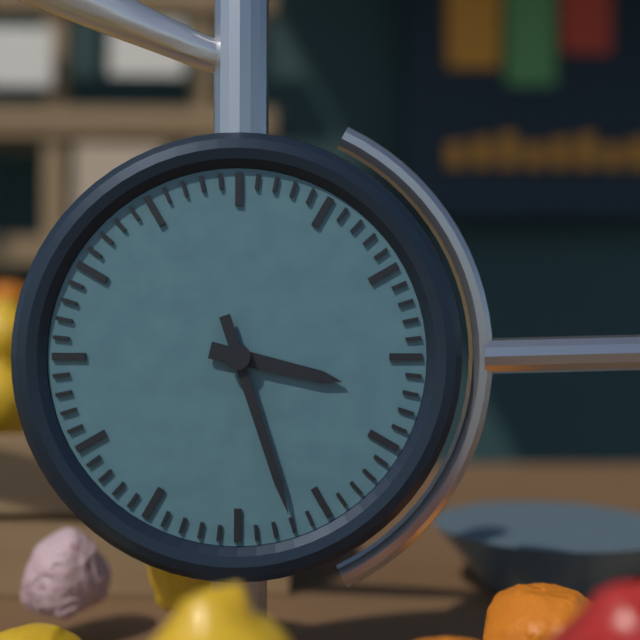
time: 3:27
